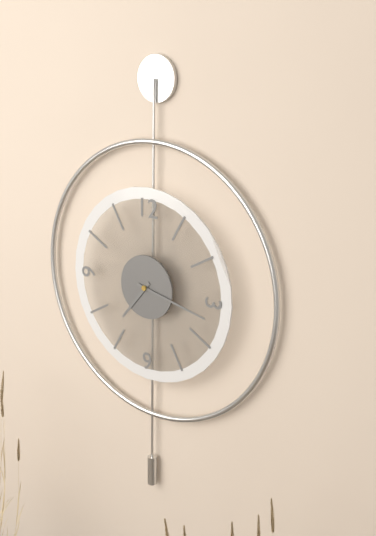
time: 7:17
